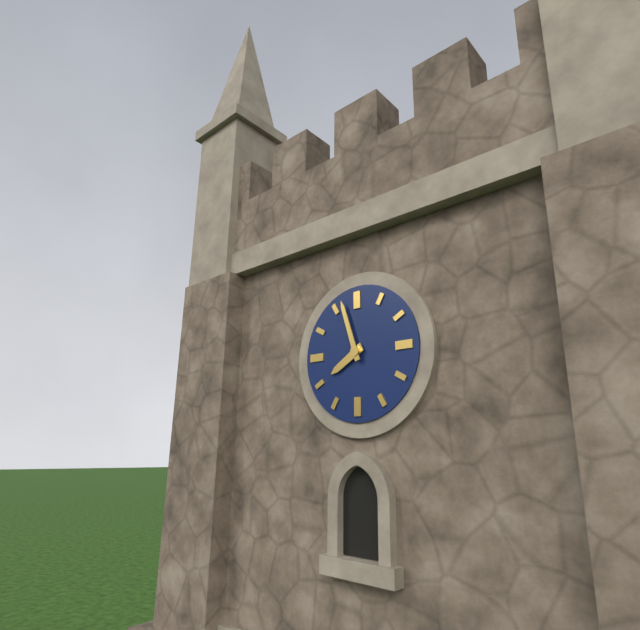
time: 7:57
